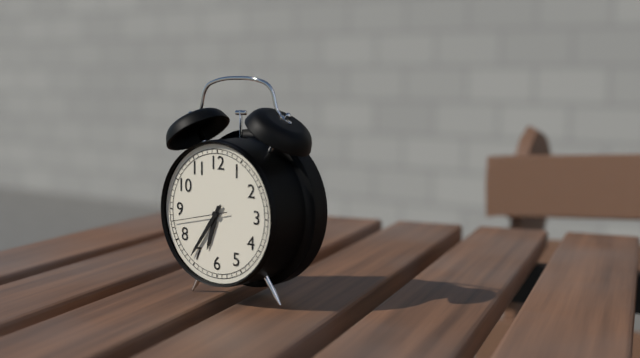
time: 6:36:43
